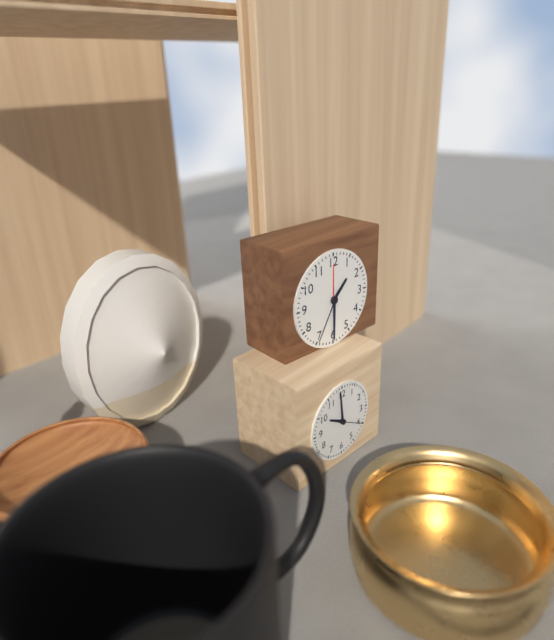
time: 1:30:35
